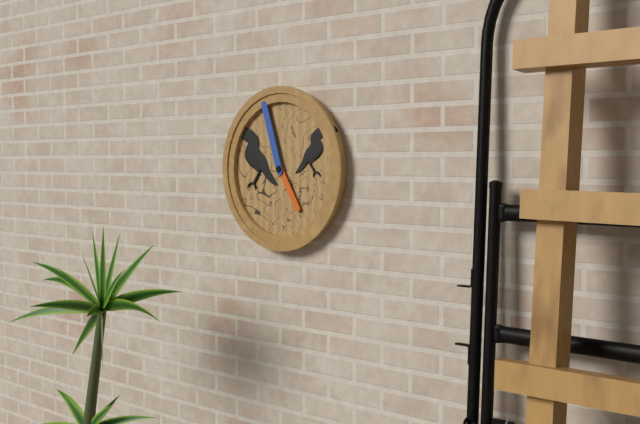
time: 4:57
